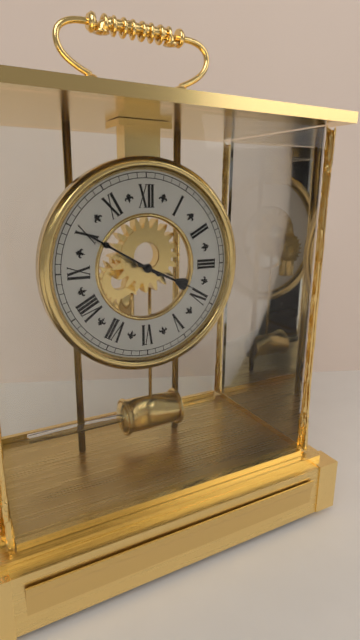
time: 3:50
